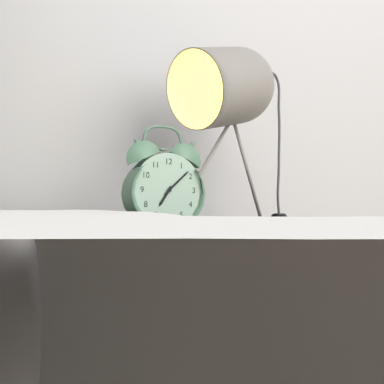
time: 7:08
